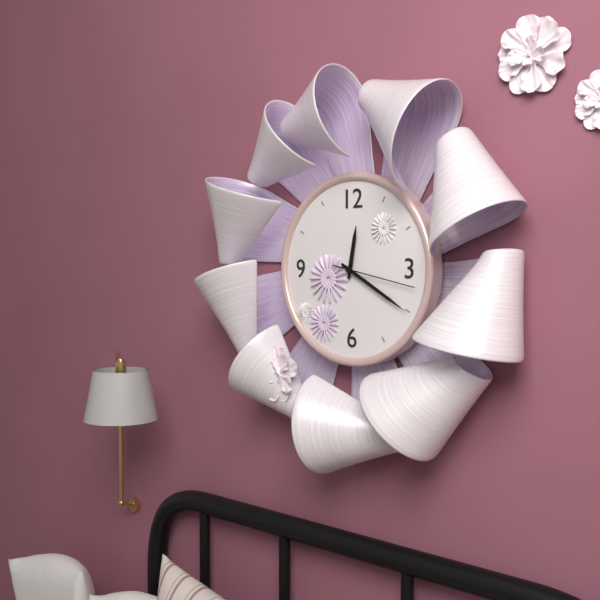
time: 12:20:17
